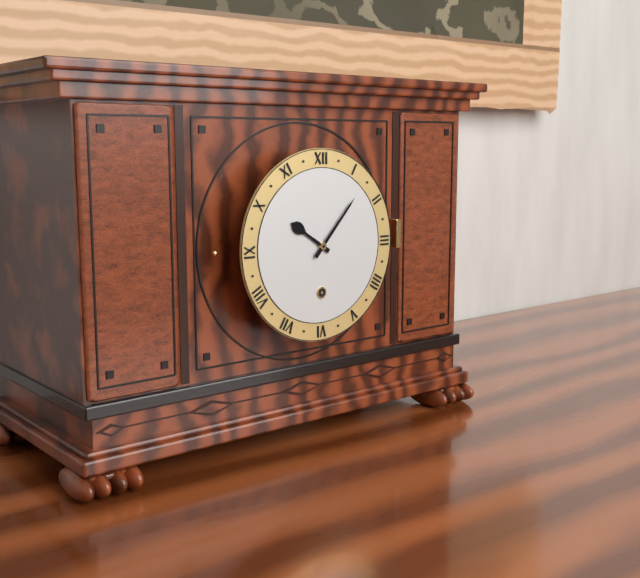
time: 10:07
